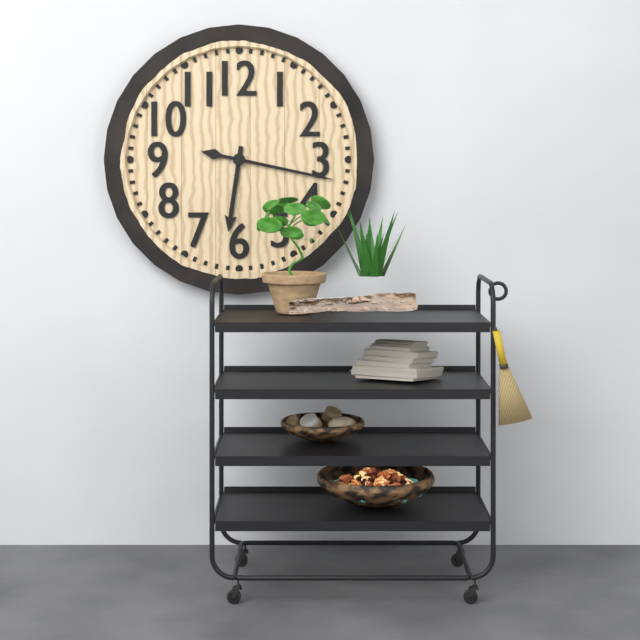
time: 6:17
